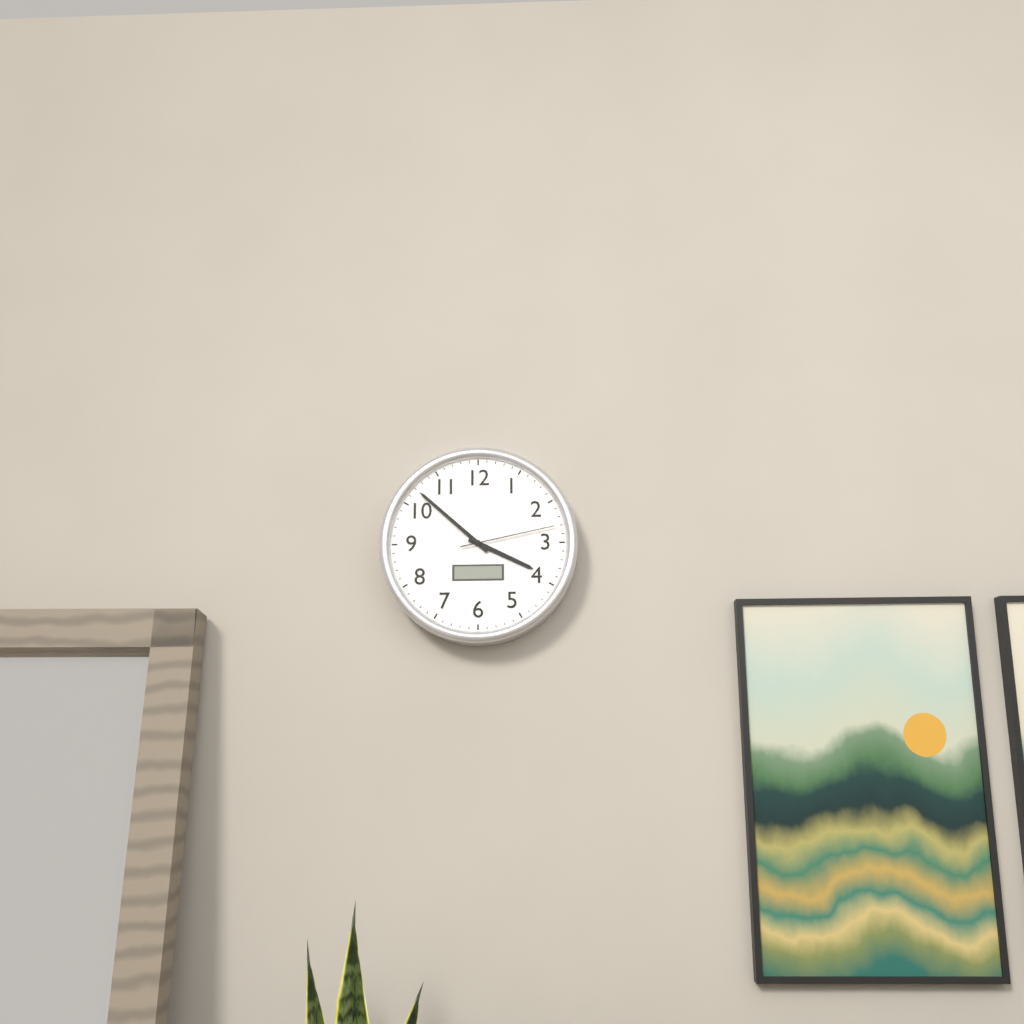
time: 3:52:13
